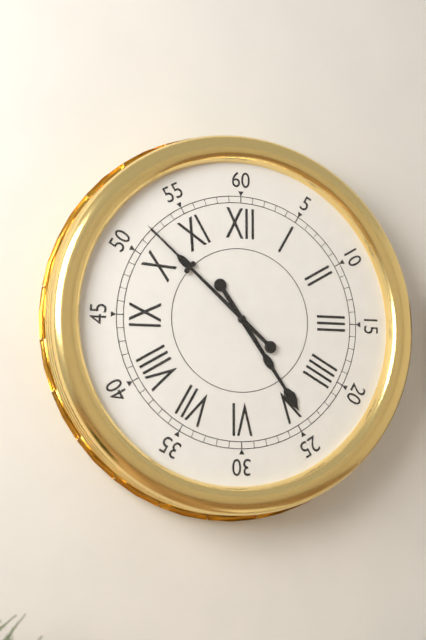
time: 4:52
